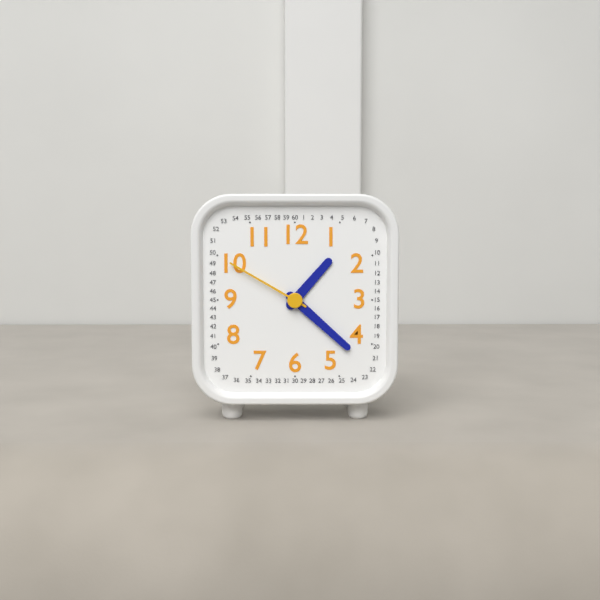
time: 1:22:50
